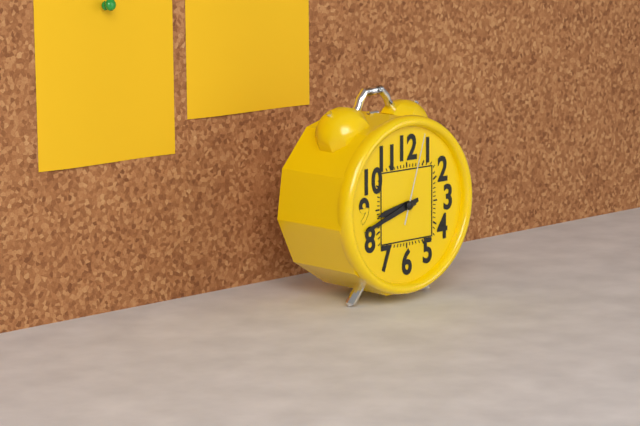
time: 8:42:03
